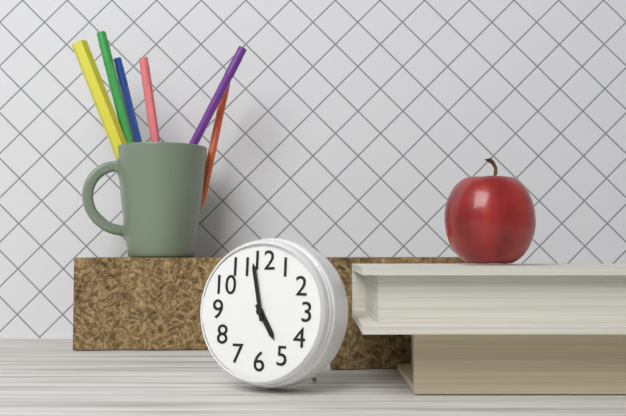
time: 4:58
